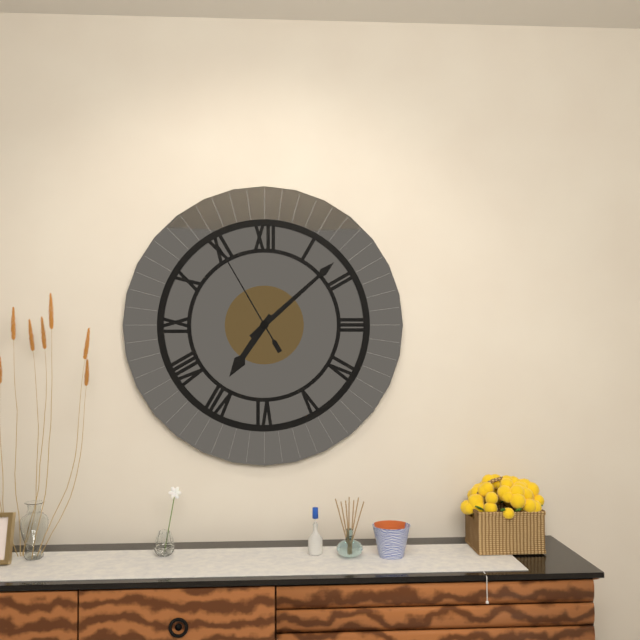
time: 7:08:55
